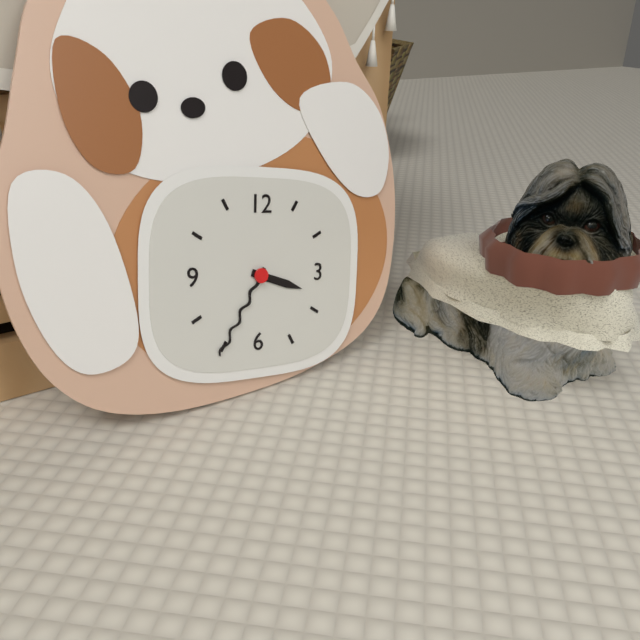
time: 3:35
